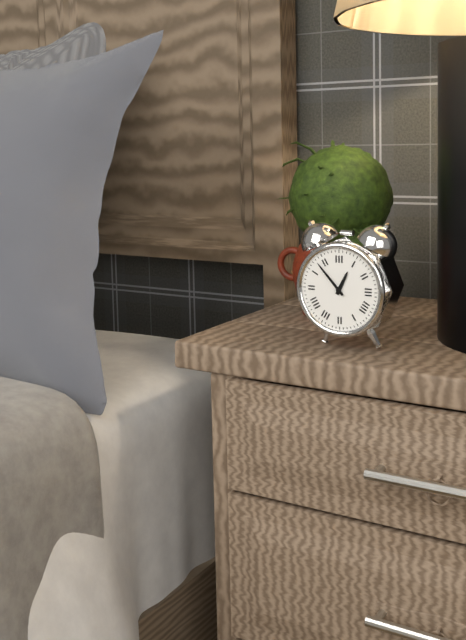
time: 12:53
